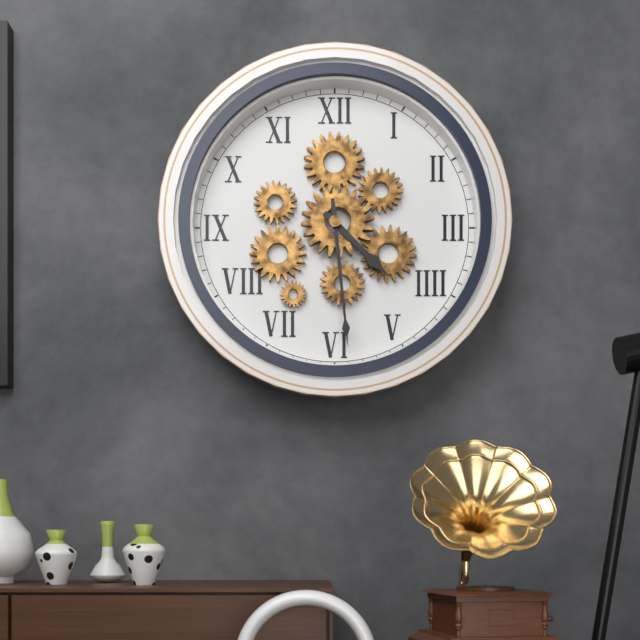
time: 4:29
